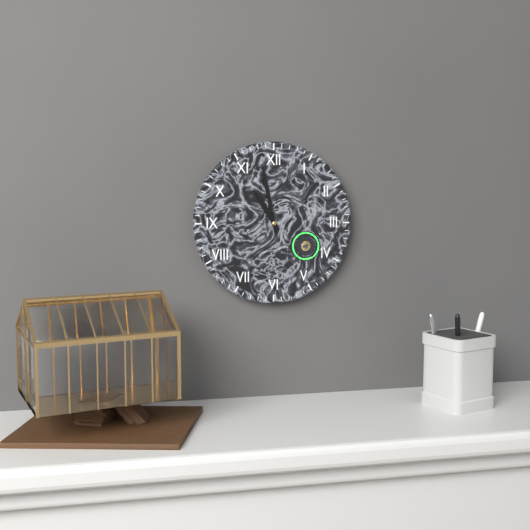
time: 10:58
